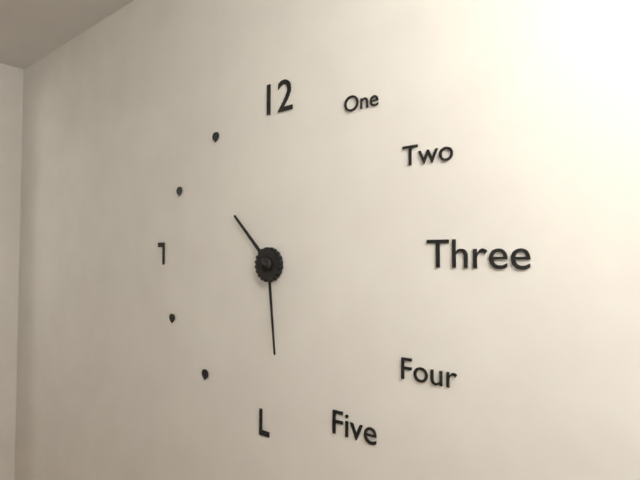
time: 10:29
